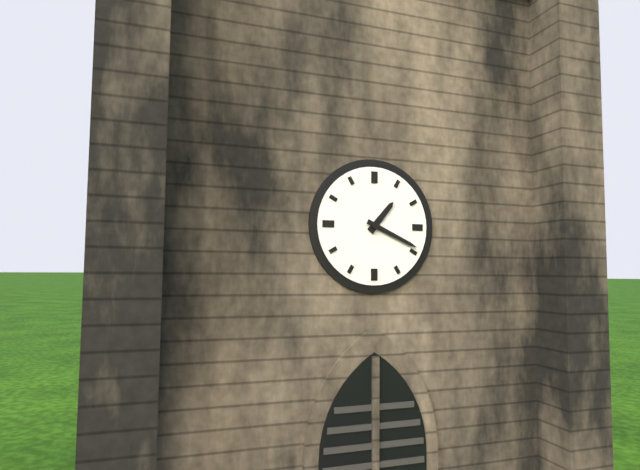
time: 1:19
